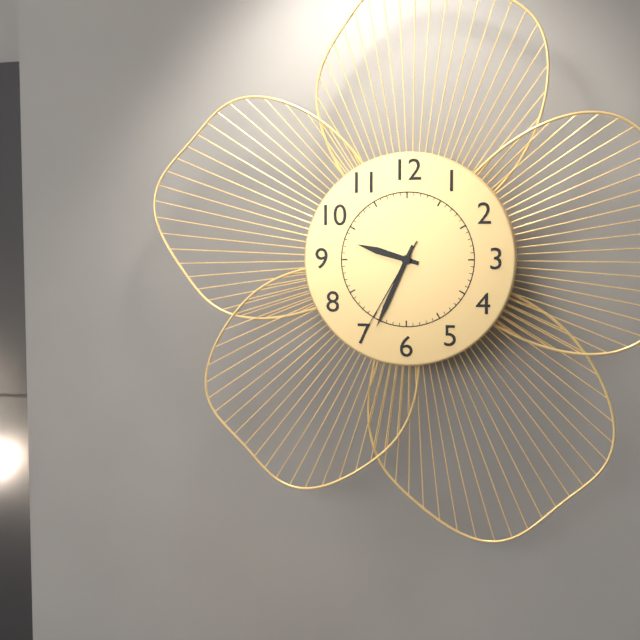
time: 9:34:35
